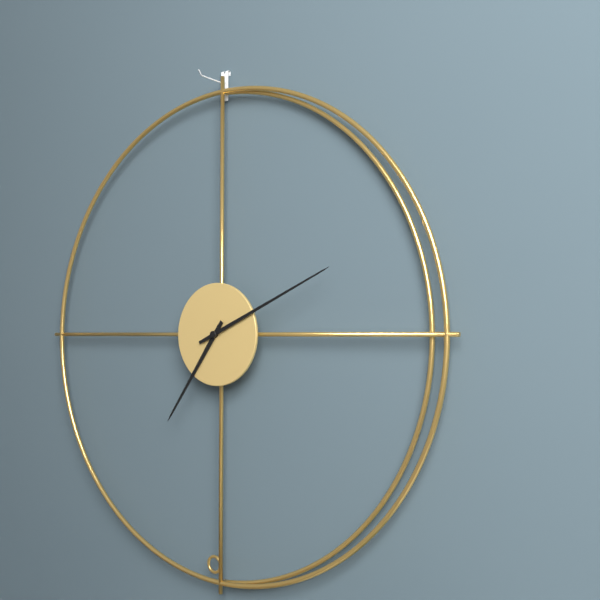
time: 7:11
